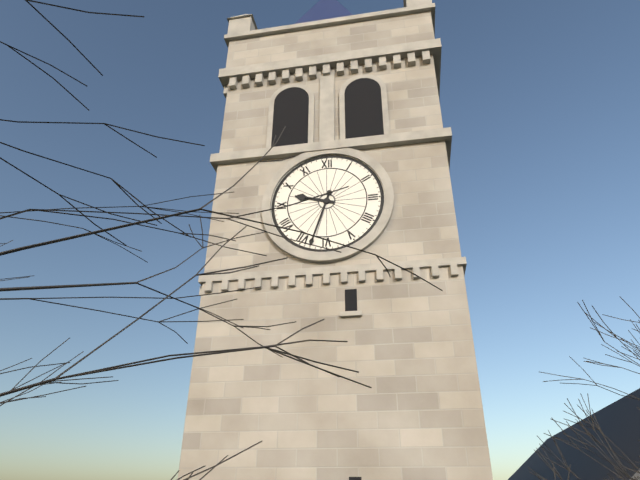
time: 9:33
